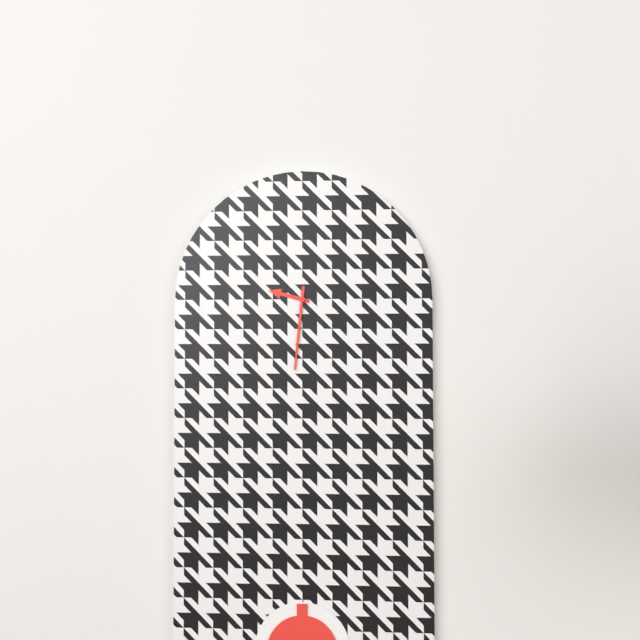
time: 9:31
